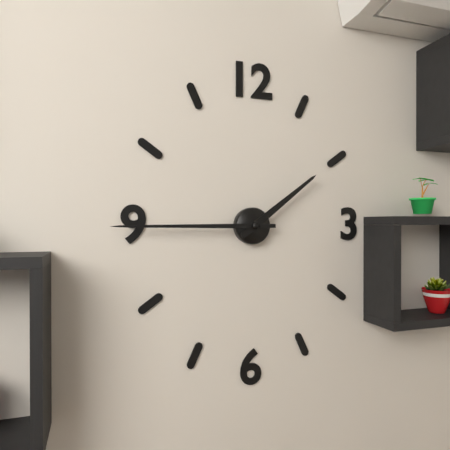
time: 1:45
